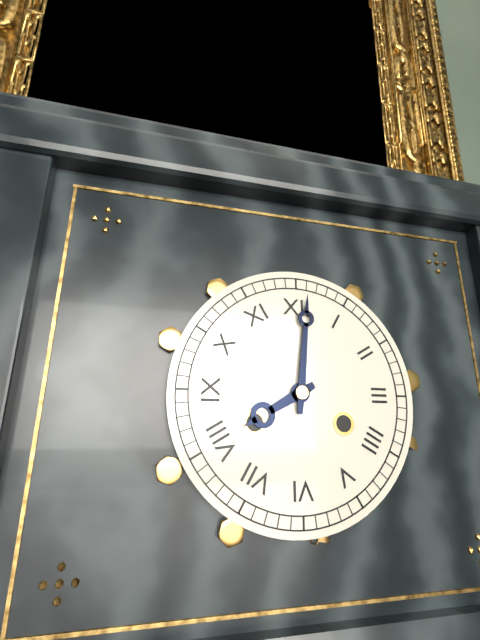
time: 8:01
